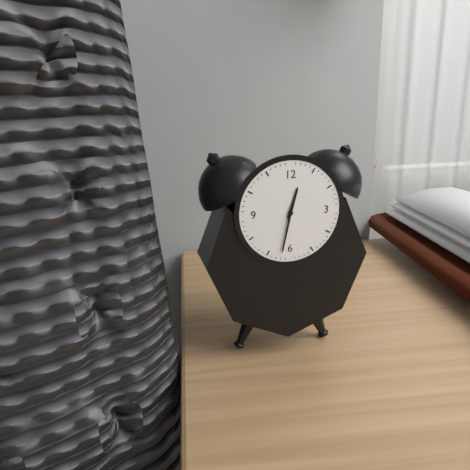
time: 12:32
